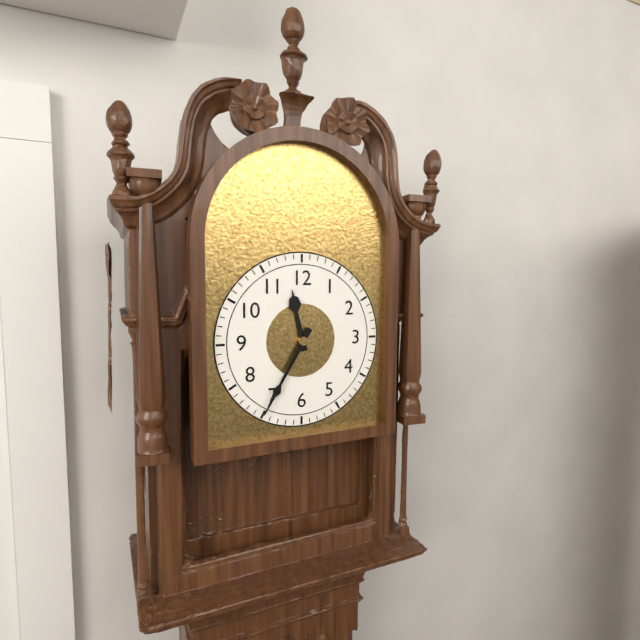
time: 11:35
